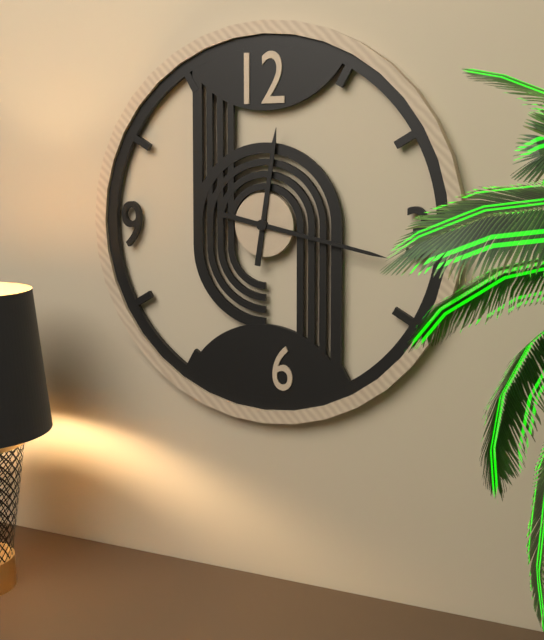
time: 12:17
